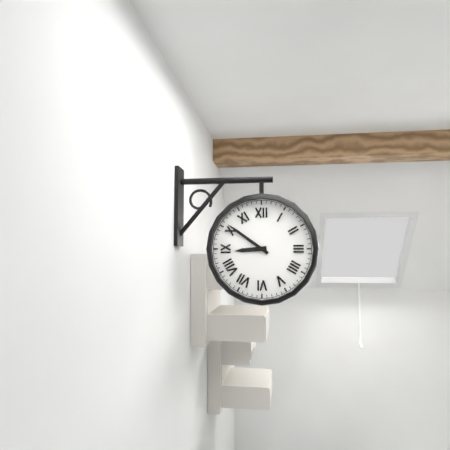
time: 8:51
